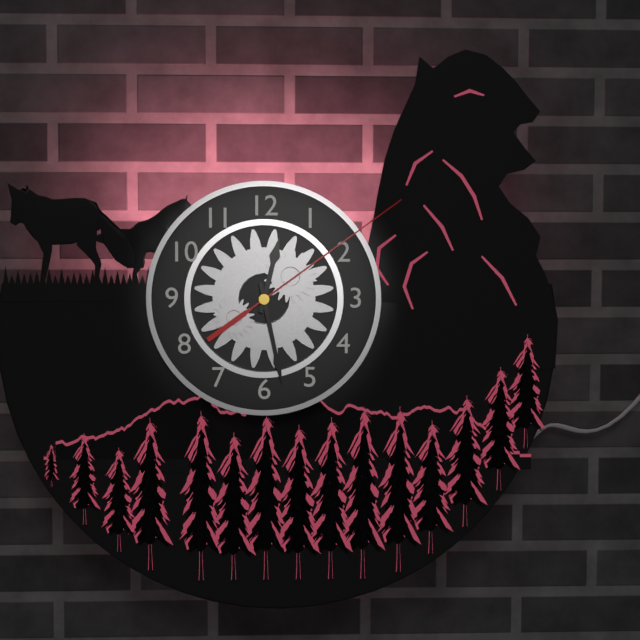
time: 12:28:09
